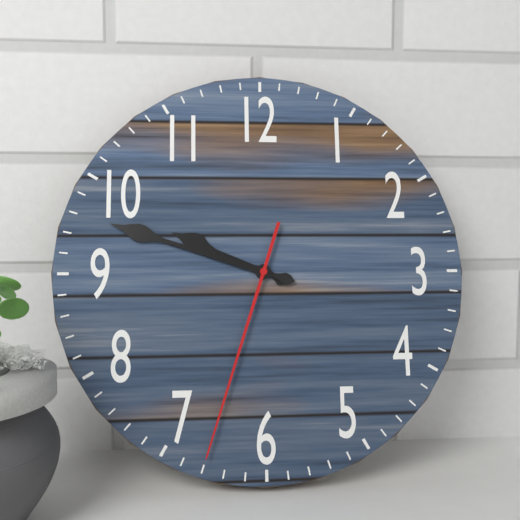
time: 9:48:33
